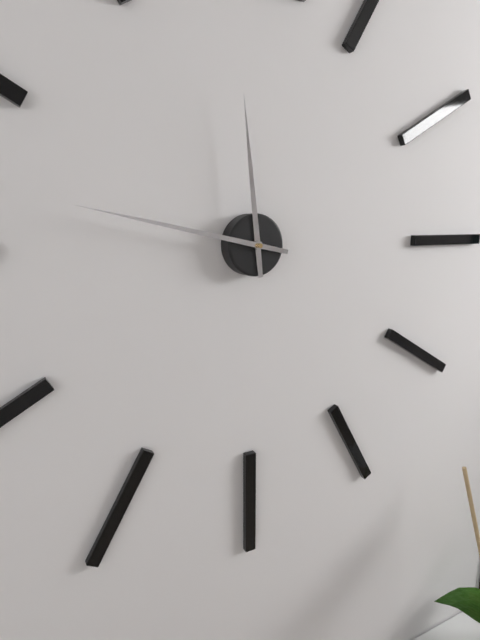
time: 11:47
